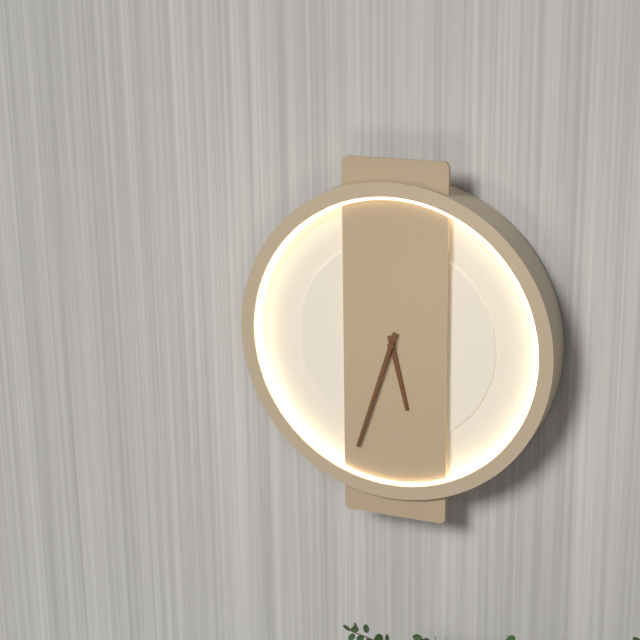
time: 5:33
